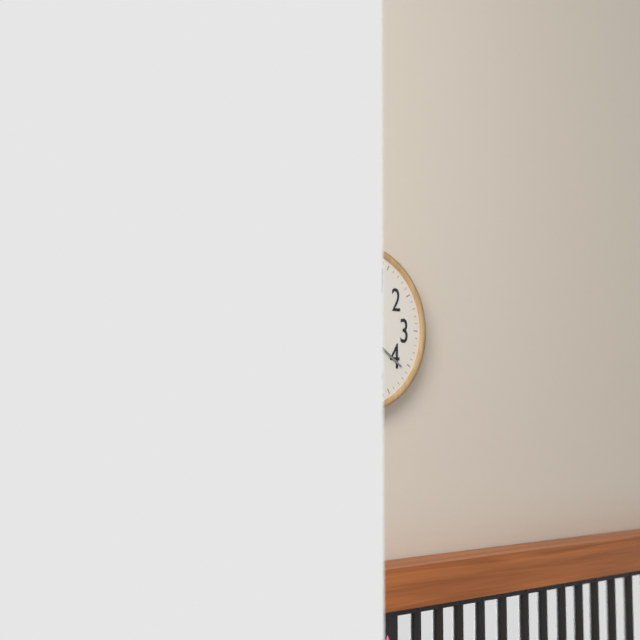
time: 9:21:51
